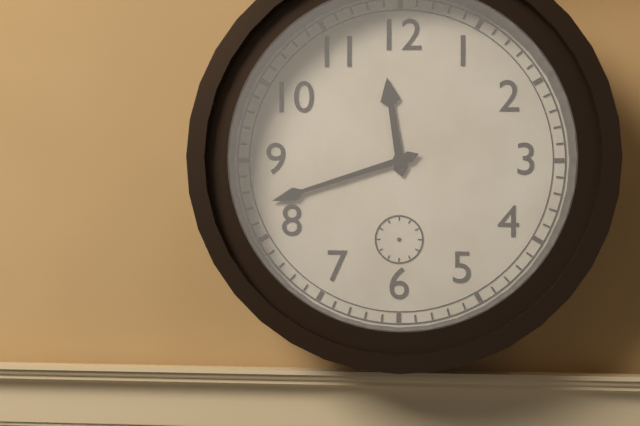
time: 11:42
